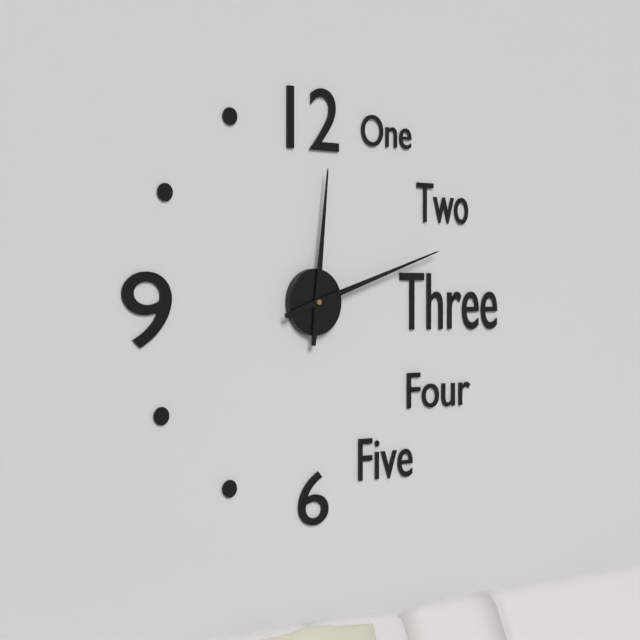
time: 12:12
